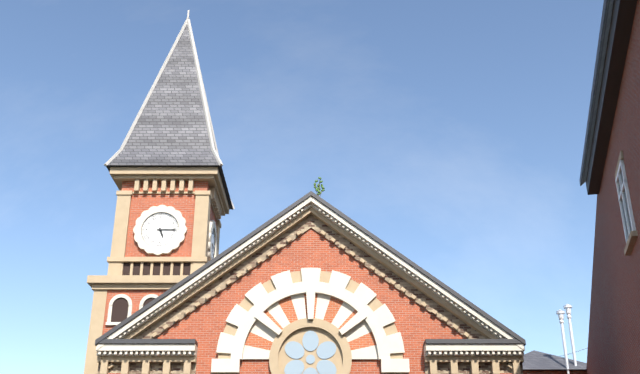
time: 5:15
